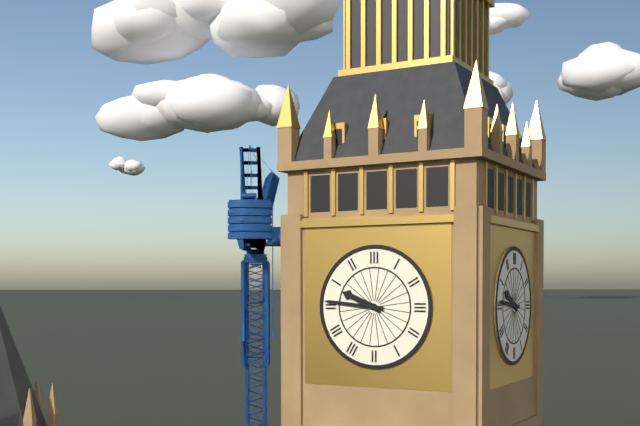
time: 9:46
